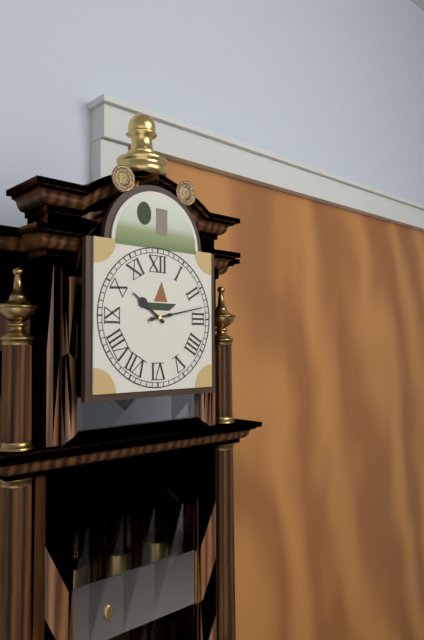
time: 10:13
